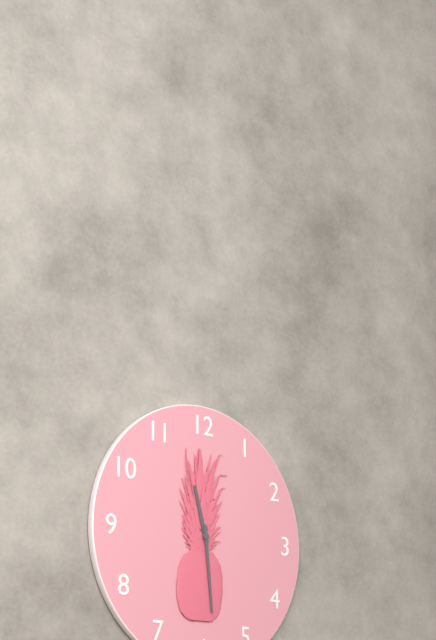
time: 11:29
